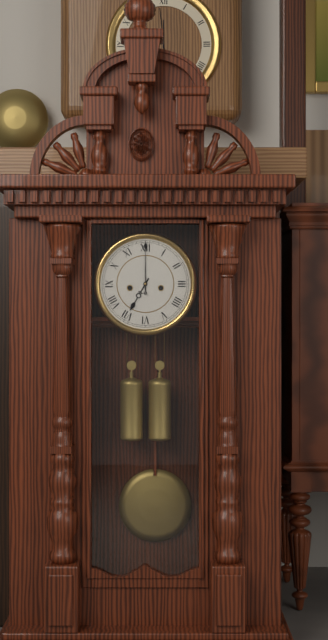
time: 7:00
